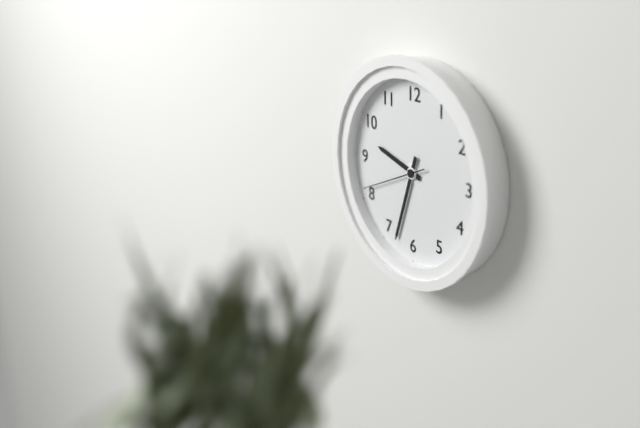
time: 9:33:41
